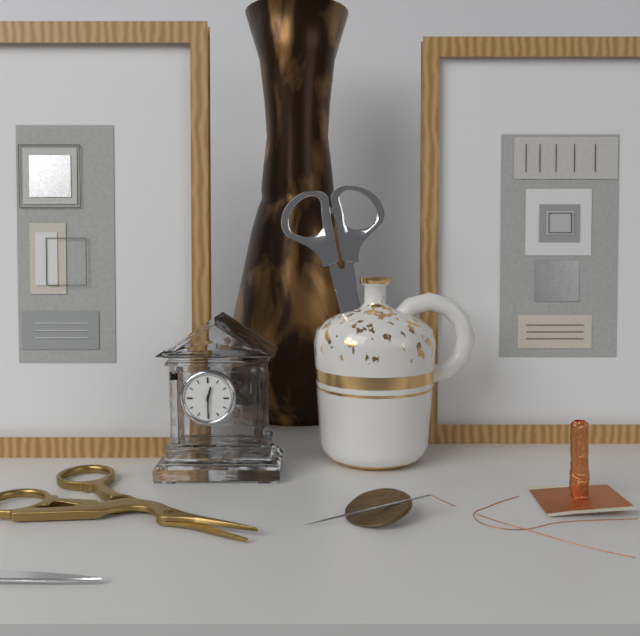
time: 12:30
